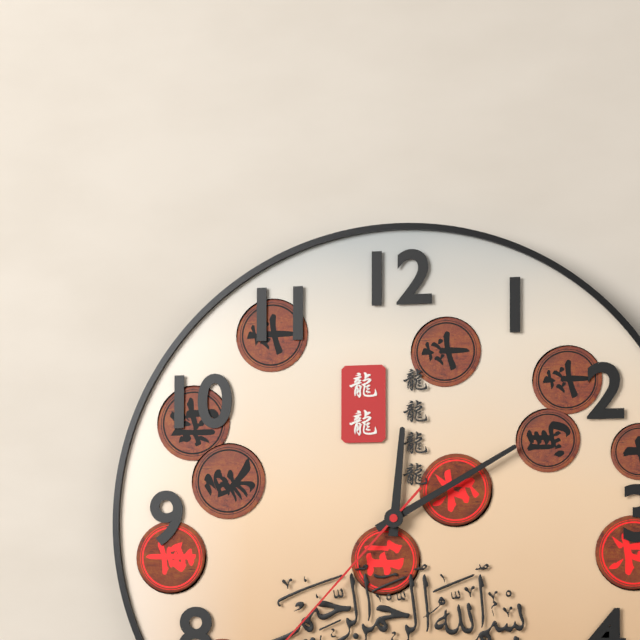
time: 12:10
